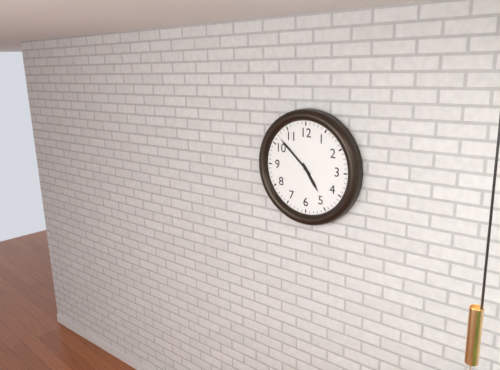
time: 4:52
